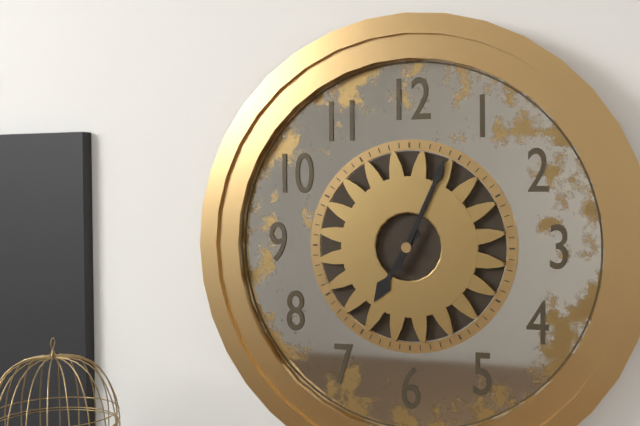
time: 7:04
